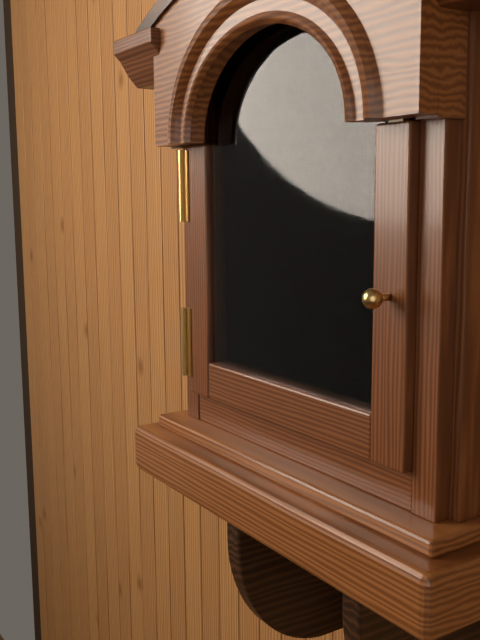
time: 3:30
